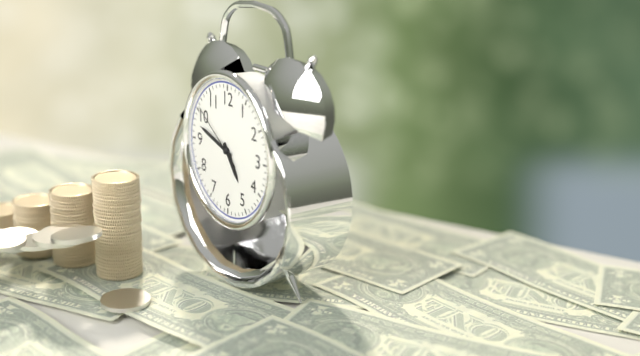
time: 4:48:51
